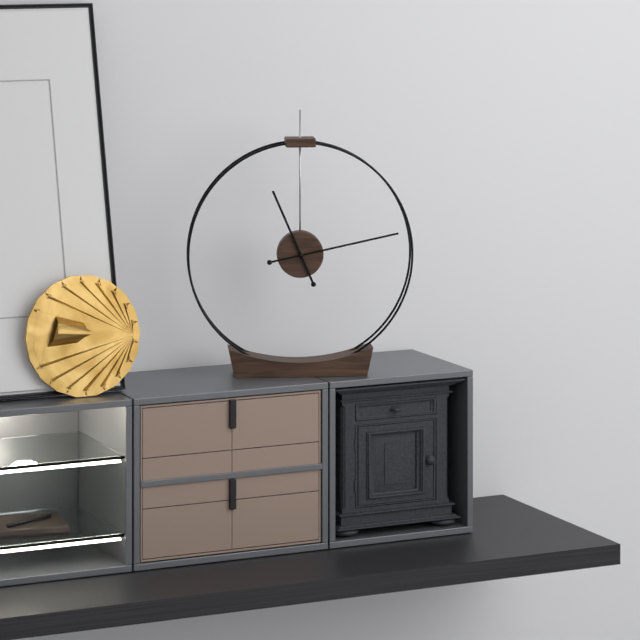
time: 11:13
